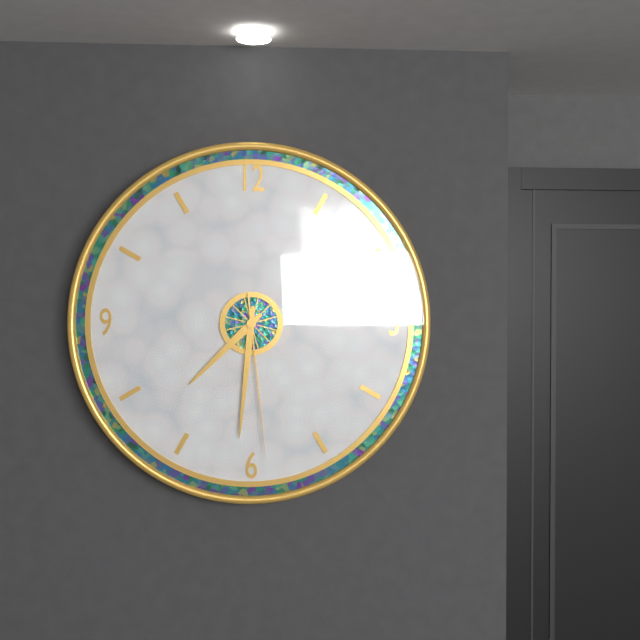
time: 7:31:29
